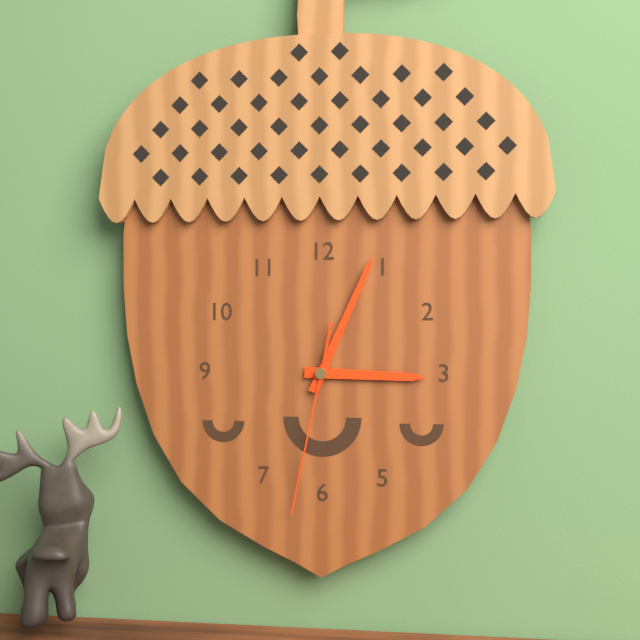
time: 3:04:32
